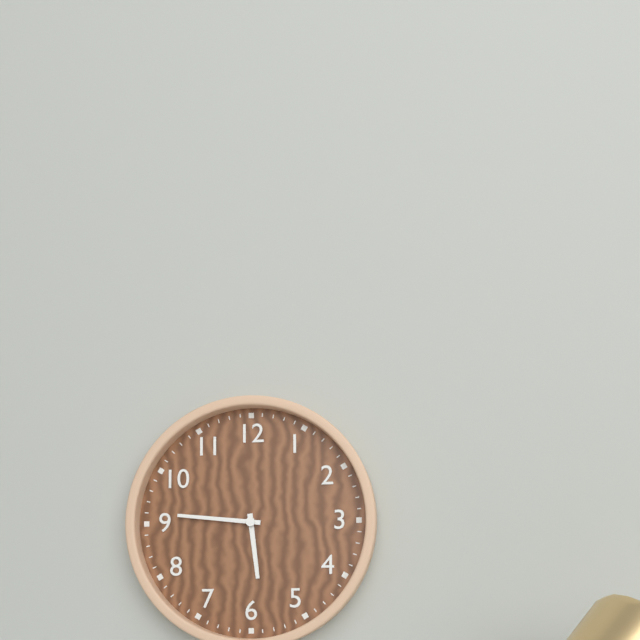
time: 5:46
